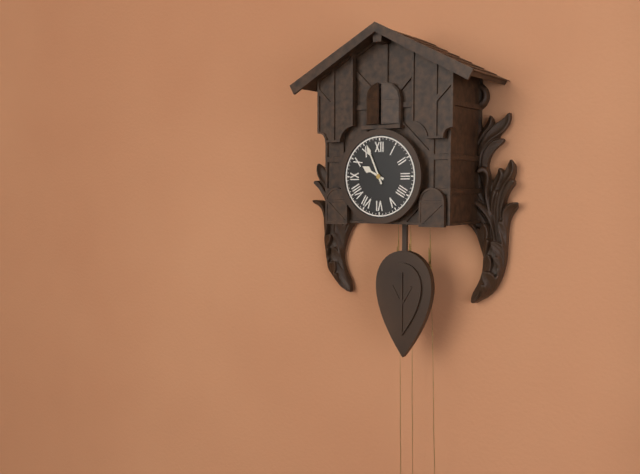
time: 9:56
